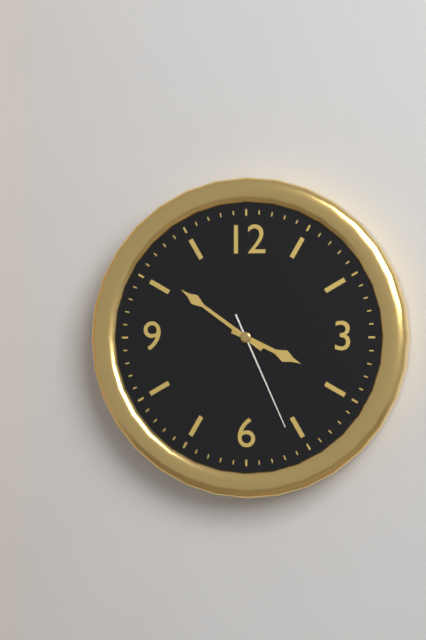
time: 3:51:26
